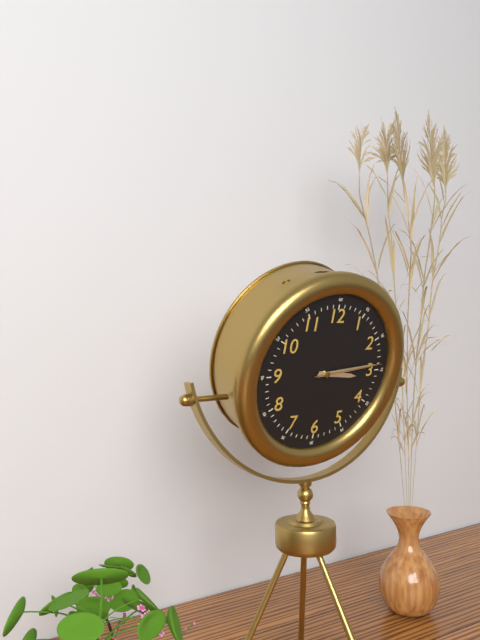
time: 3:14:14
